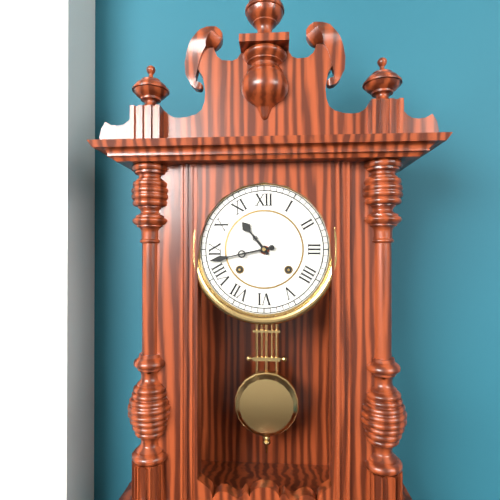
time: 10:43
